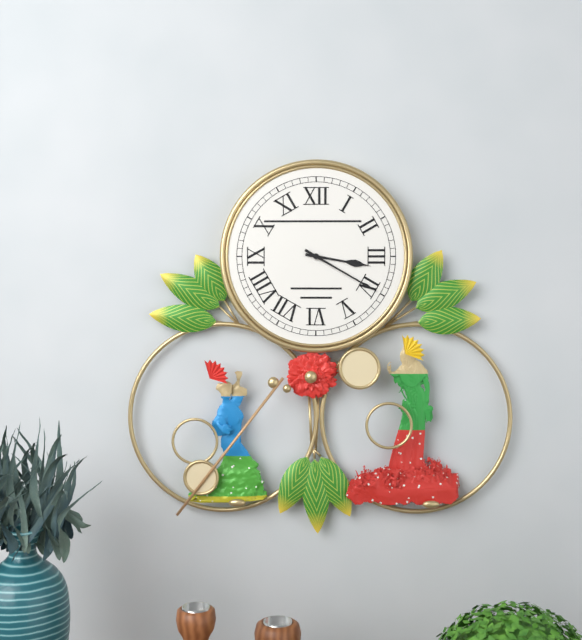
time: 3:20
